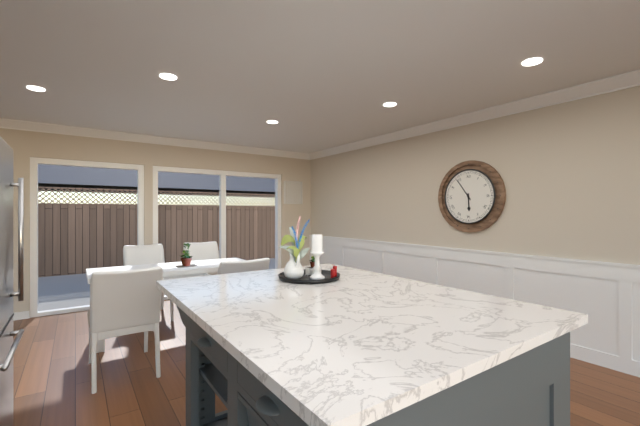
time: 5:54
